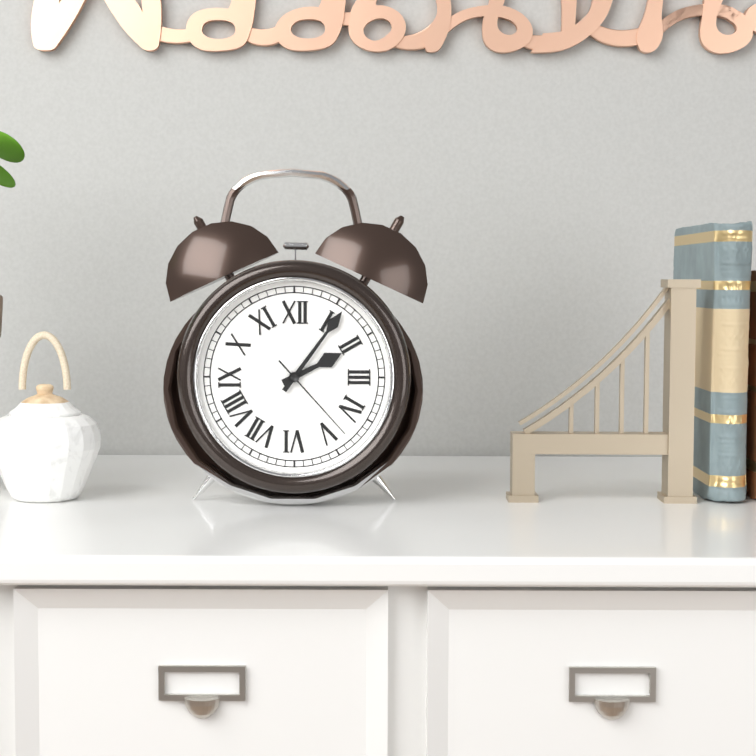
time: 2:06:23
